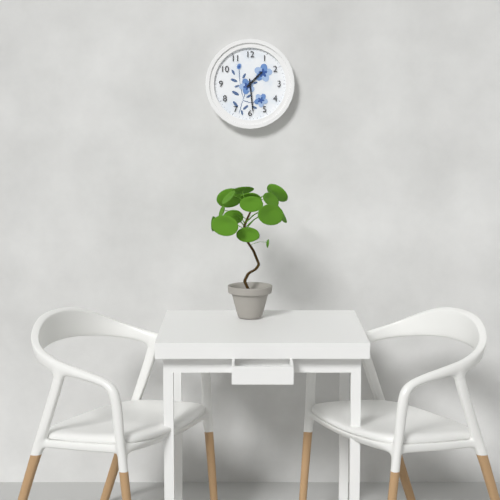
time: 1:29
